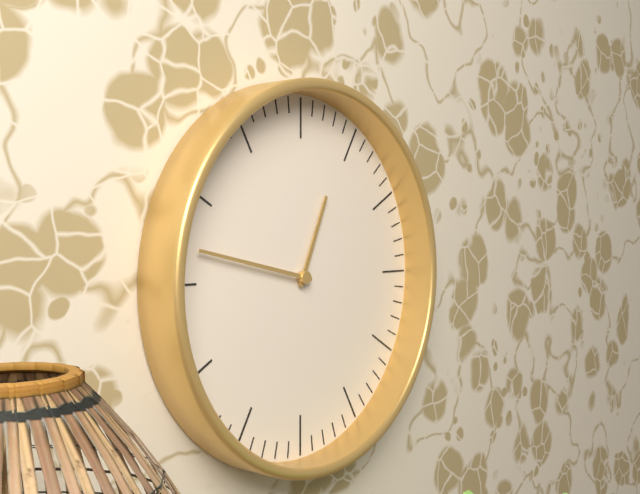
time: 12:47
